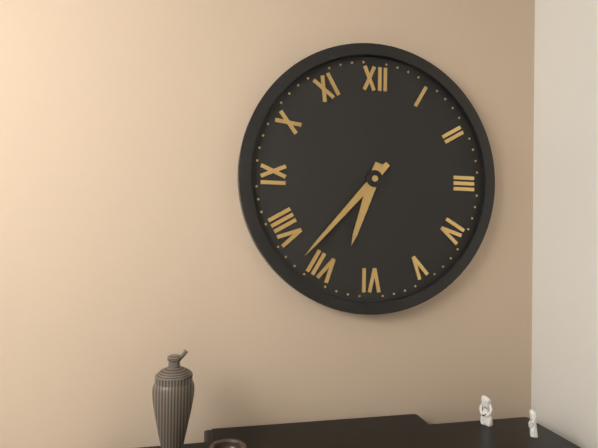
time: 6:37
